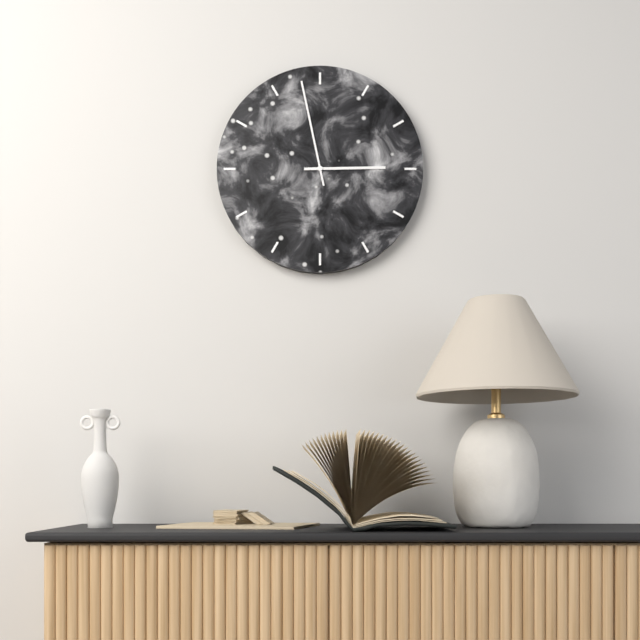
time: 2:58
